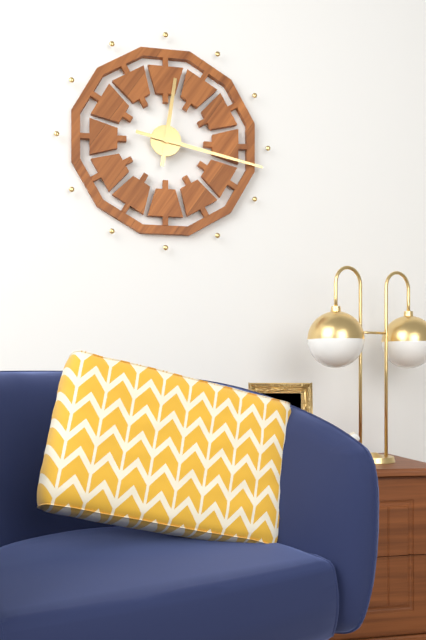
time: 12:17
